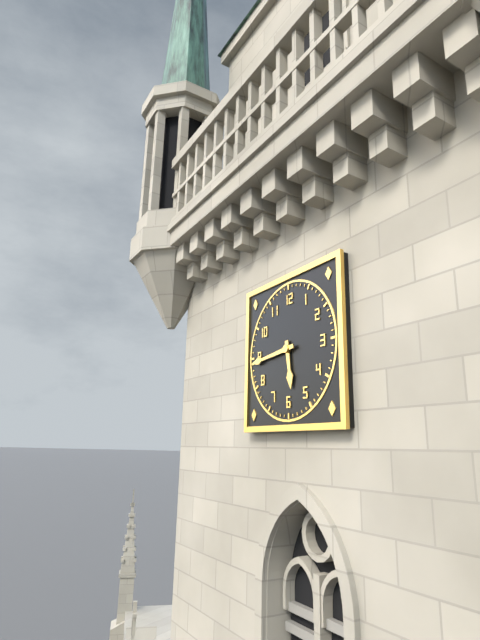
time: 5:44
